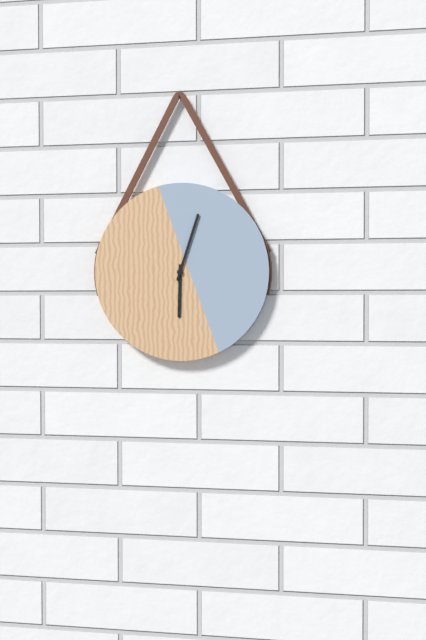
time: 6:03
